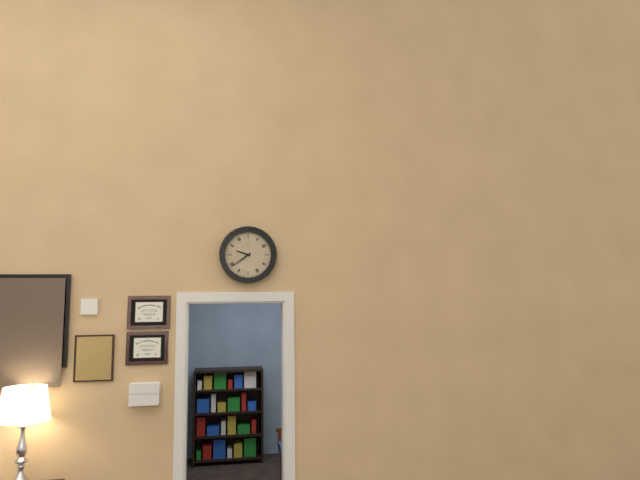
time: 9:39
